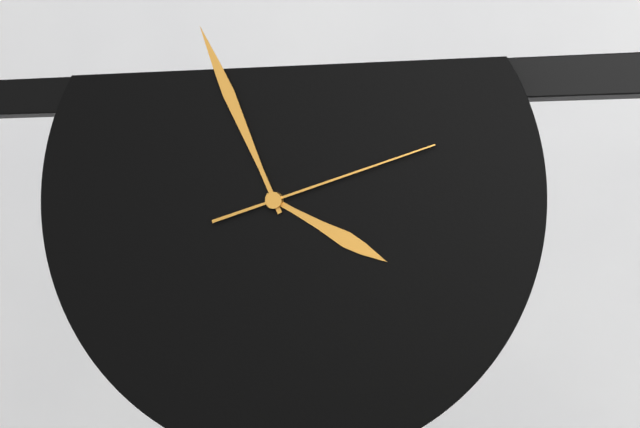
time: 3:56:12
